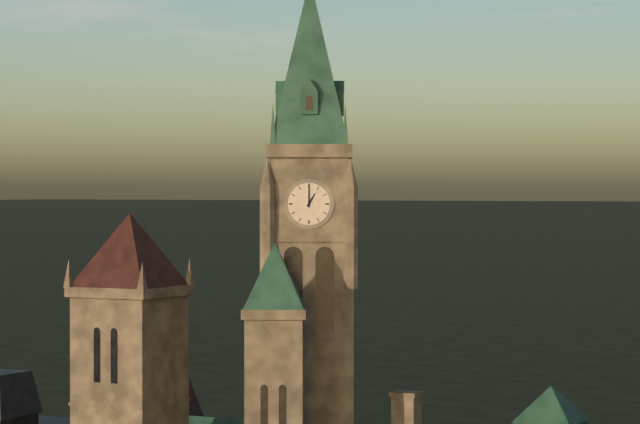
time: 1:00
